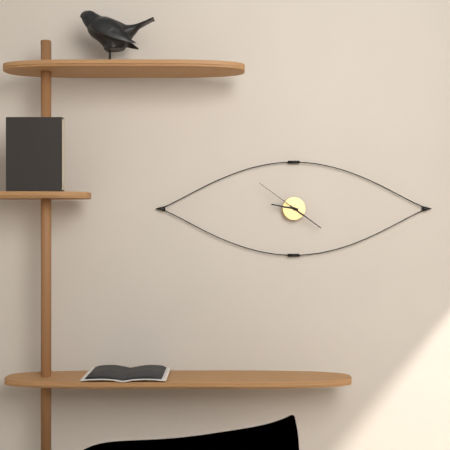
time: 9:21:51
